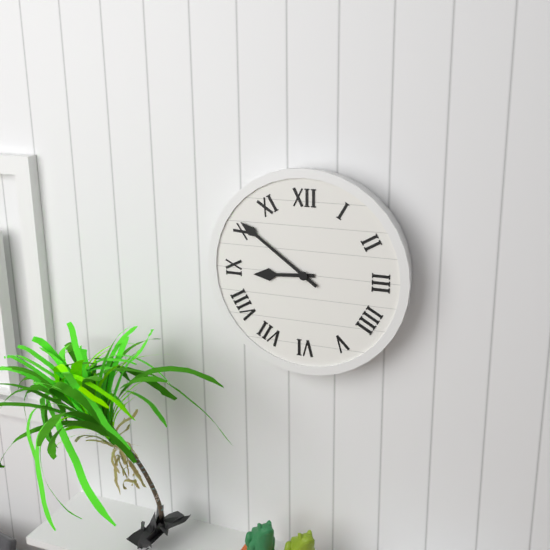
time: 8:51
